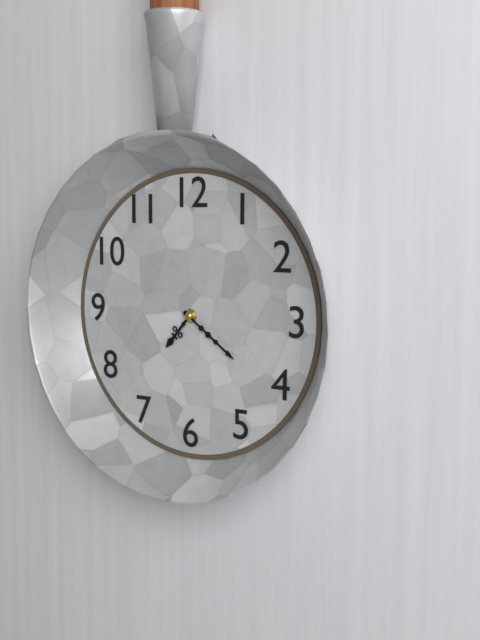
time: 7:21
